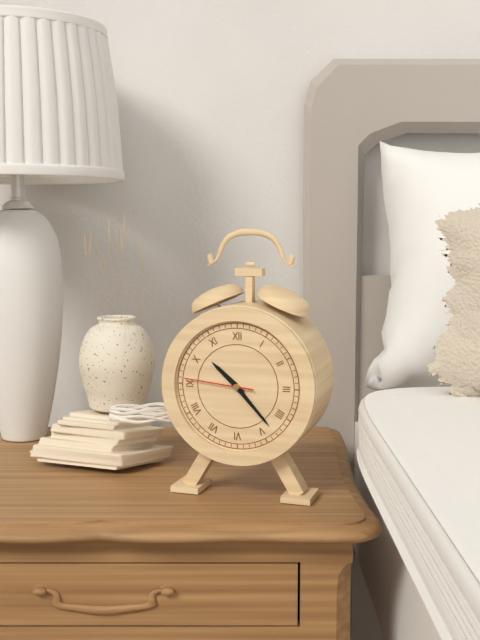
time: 10:23:46
